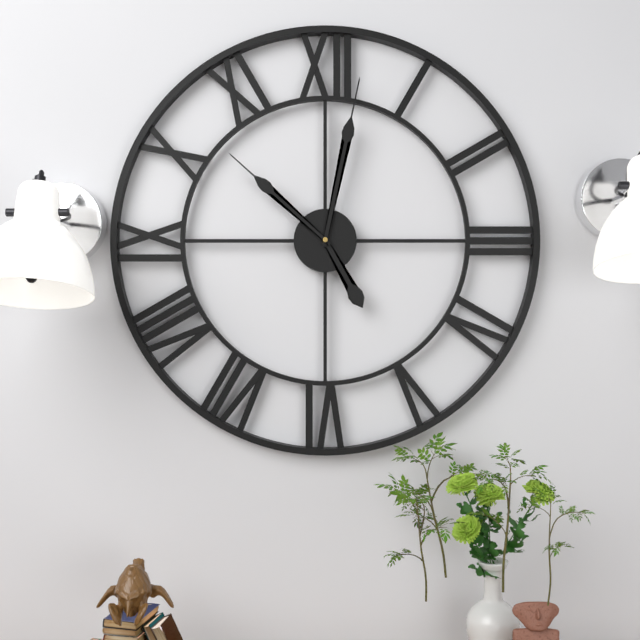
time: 5:02:52
